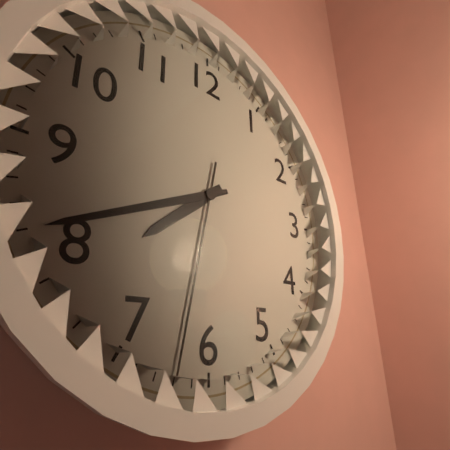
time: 7:41:32
